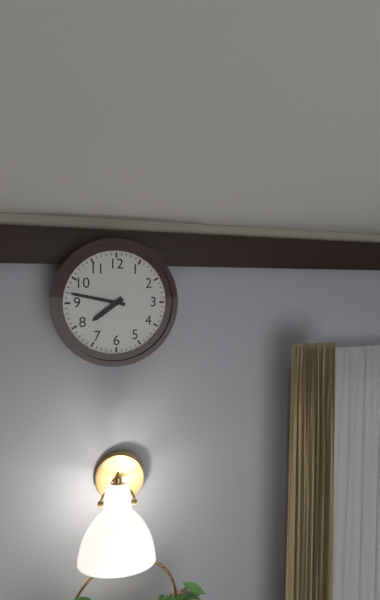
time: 7:47
